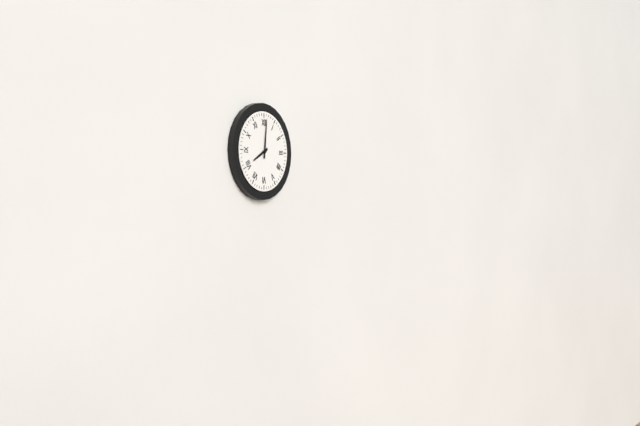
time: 8:01
